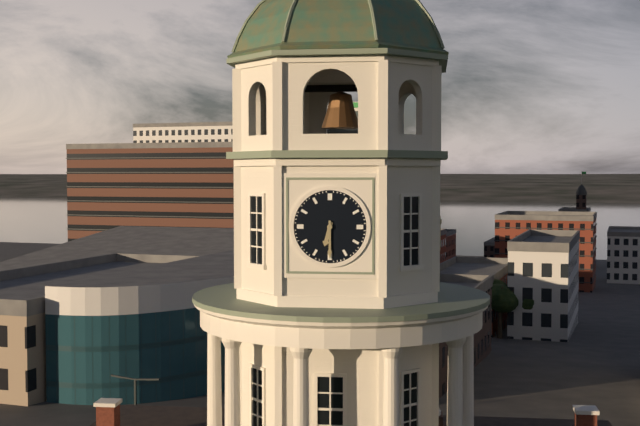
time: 6:30
